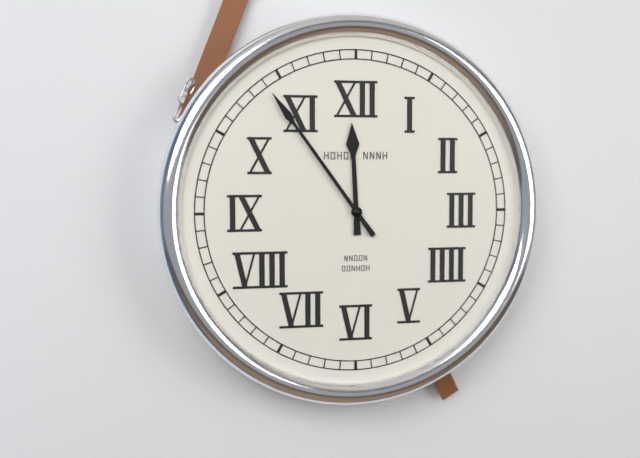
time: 11:54
